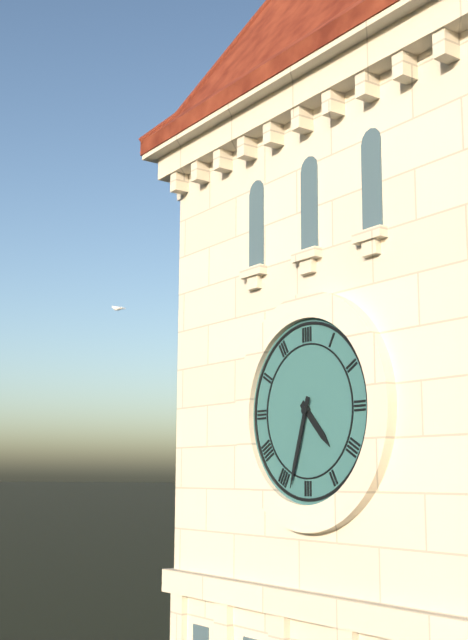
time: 4:33
